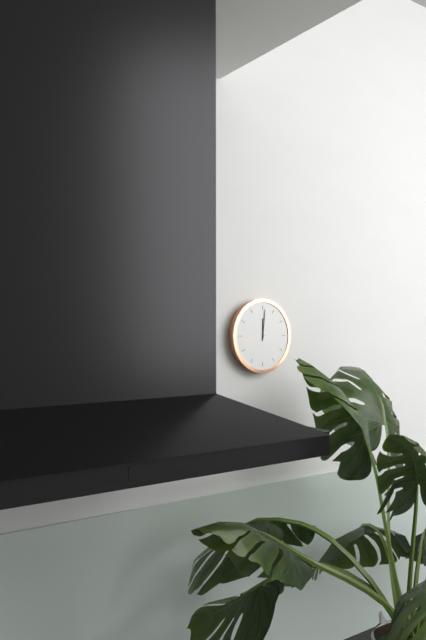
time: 12:01
